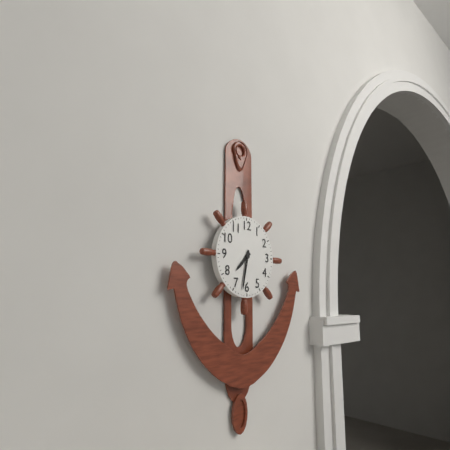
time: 7:32
